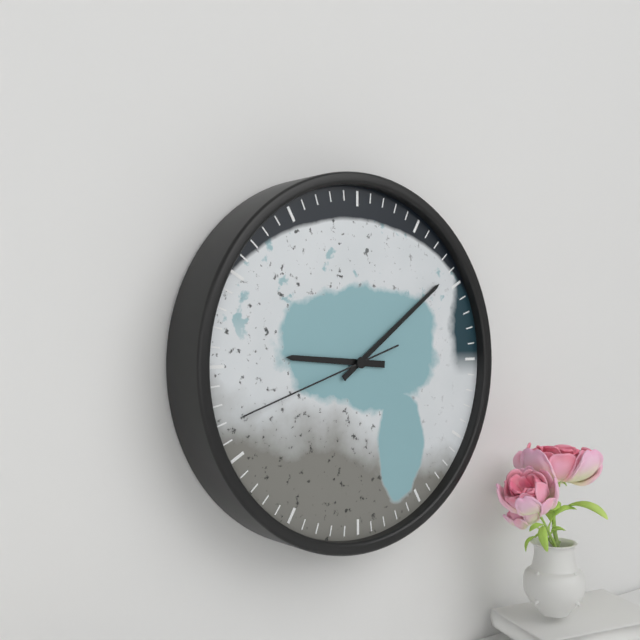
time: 9:09:42
